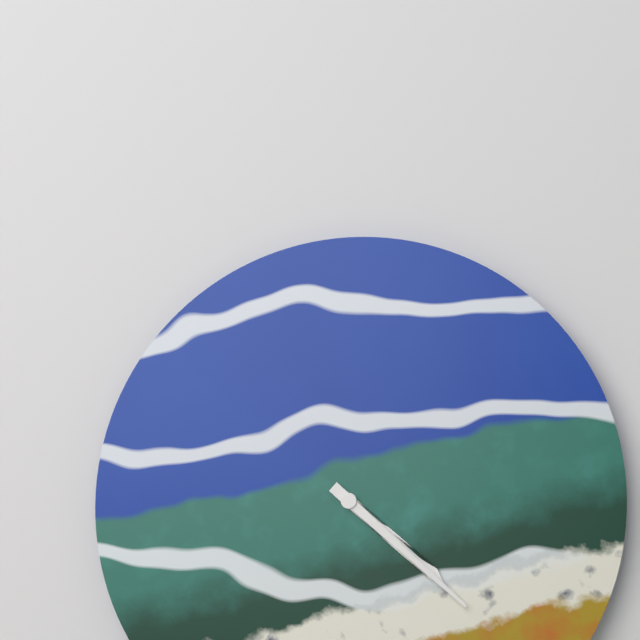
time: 4:22
